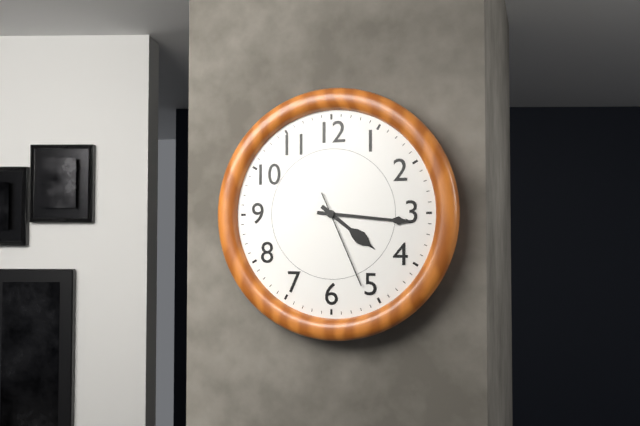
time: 4:16:26
